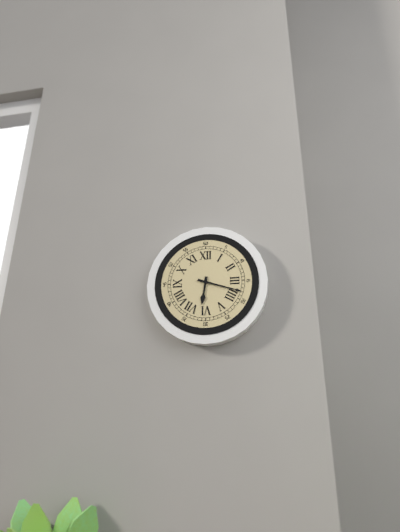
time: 6:18
